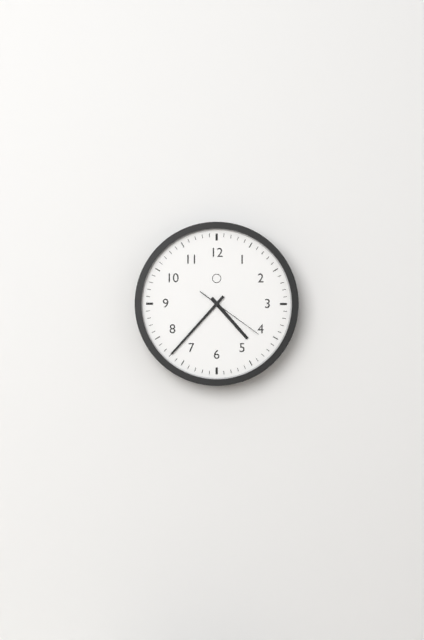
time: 4:37:21
